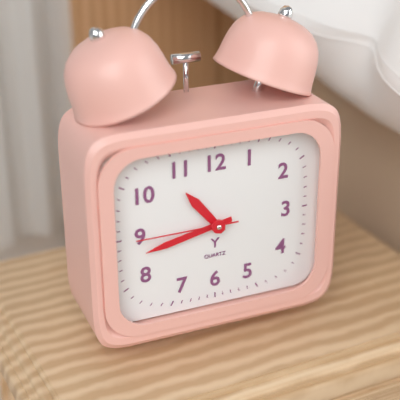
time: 10:43:45
